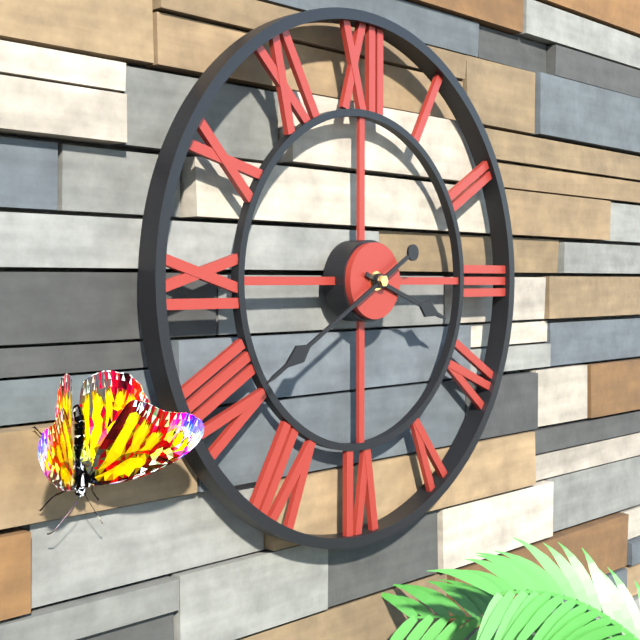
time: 3:40
